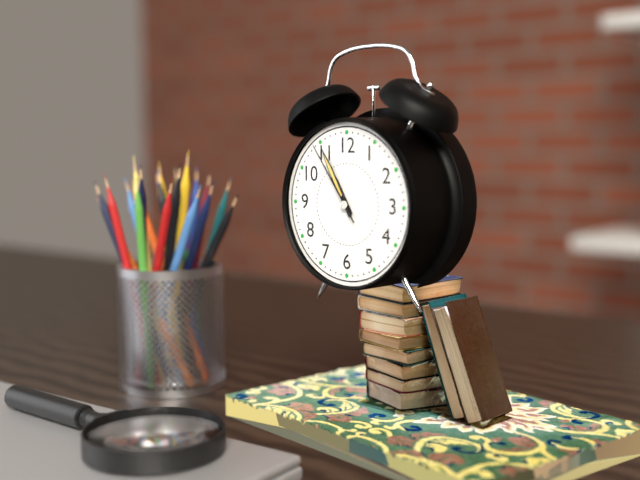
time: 10:55:54
